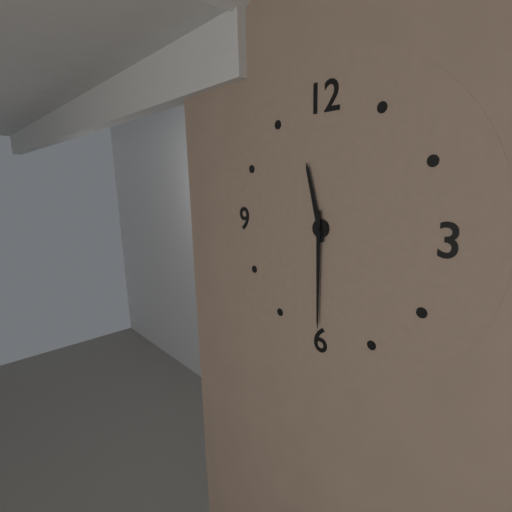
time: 11:30
